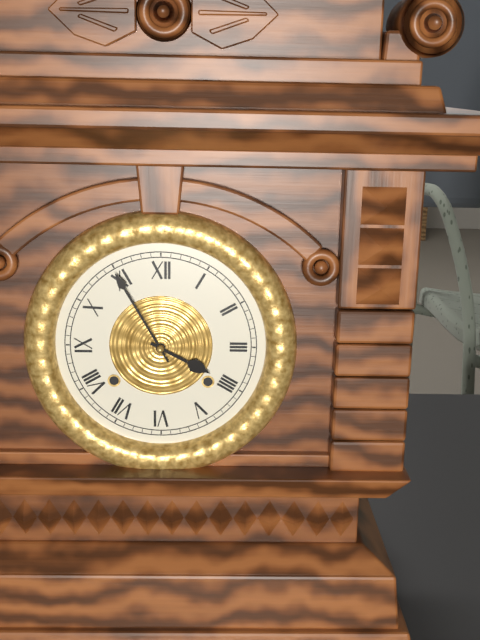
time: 3:55
